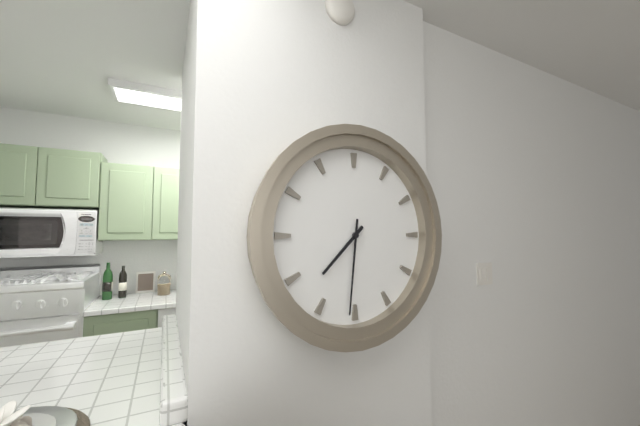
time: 7:31
